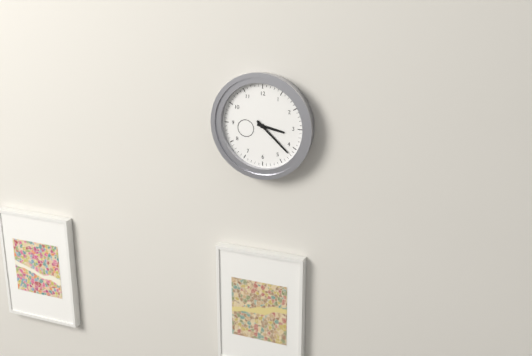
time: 3:22
